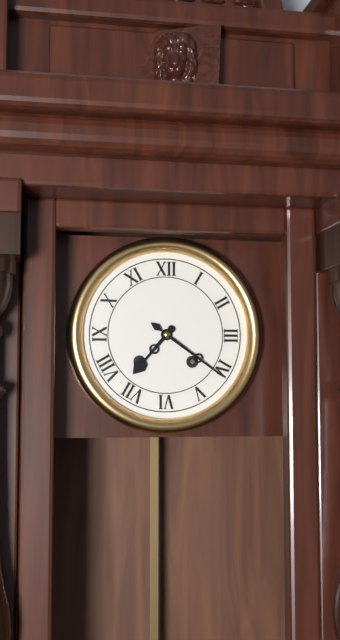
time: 7:21
